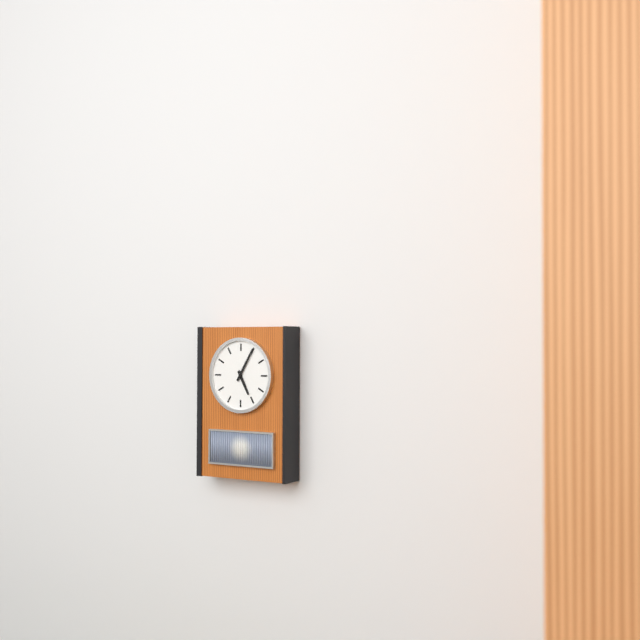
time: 5:05
